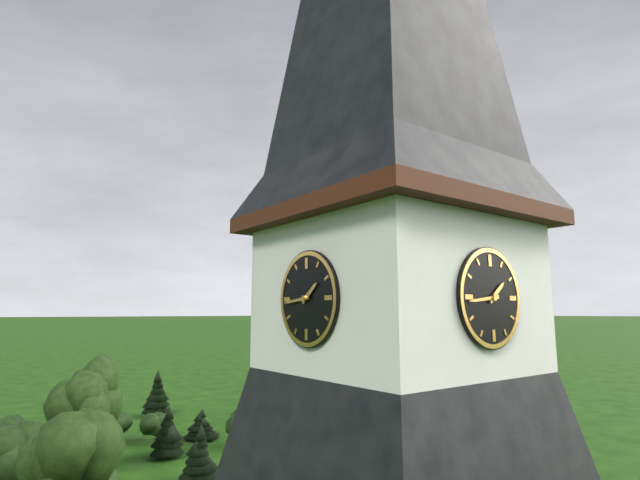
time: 1:44
